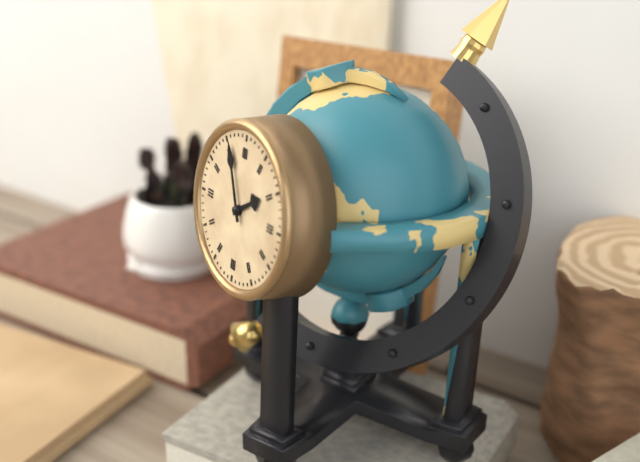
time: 1:56
